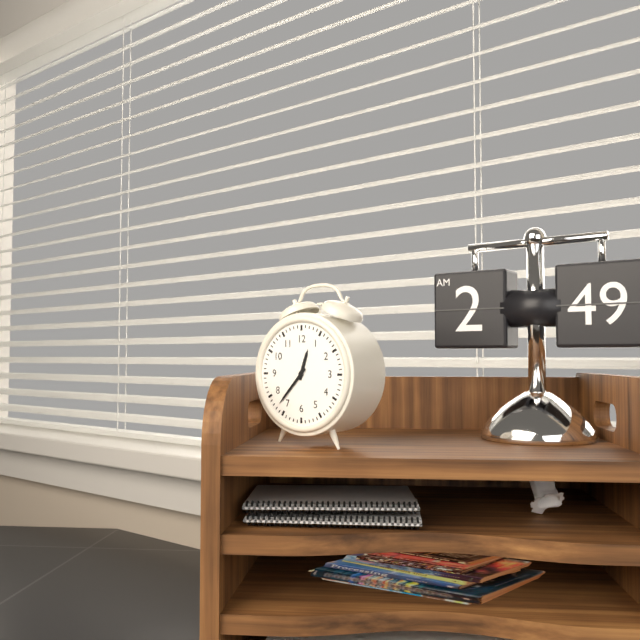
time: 12:37
